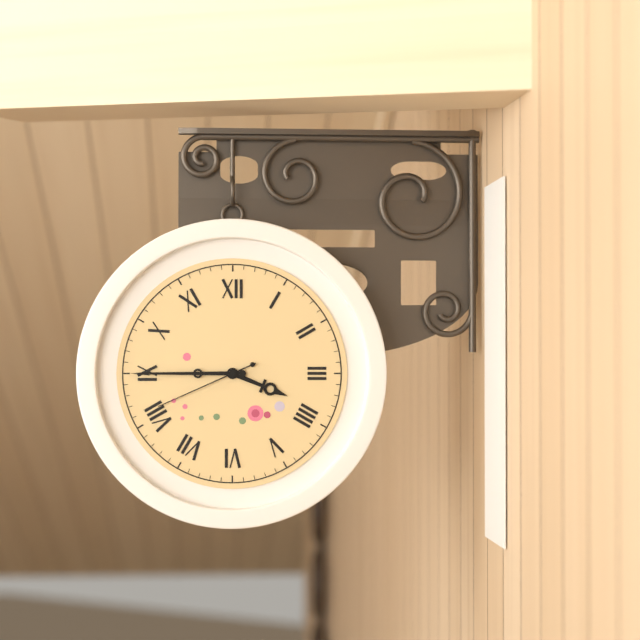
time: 3:45:41
